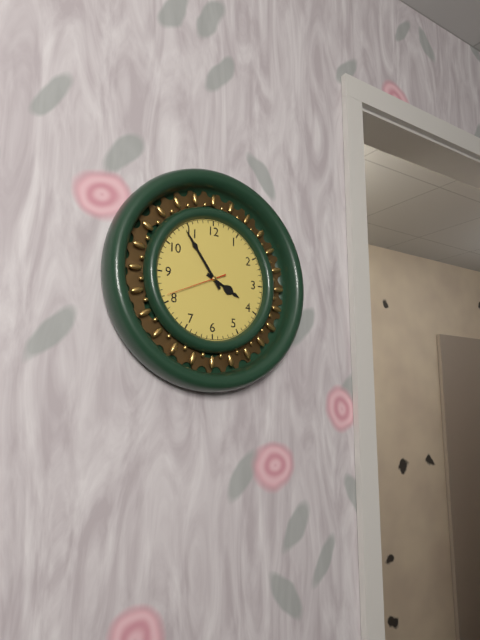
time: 3:54
